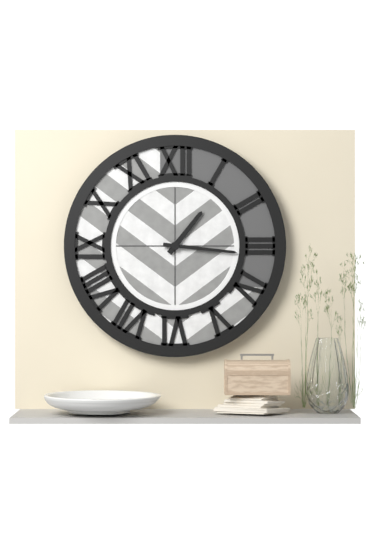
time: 1:16
